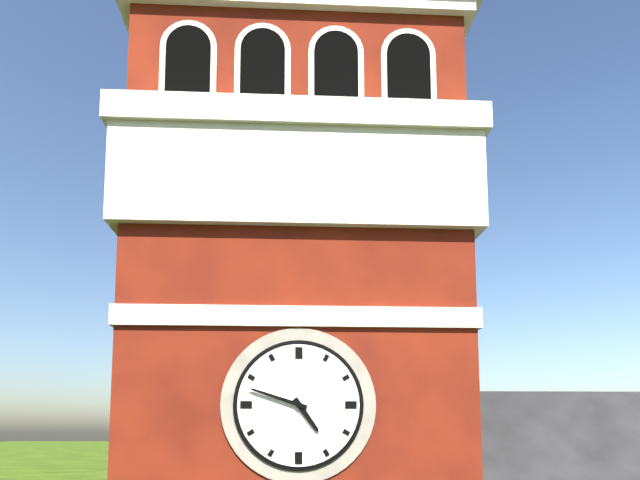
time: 4:48
